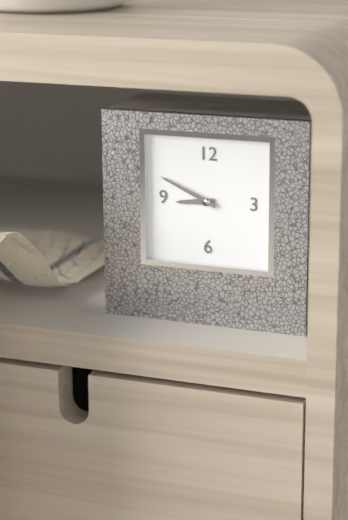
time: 8:49
